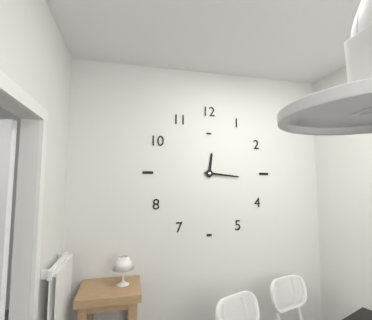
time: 12:16
